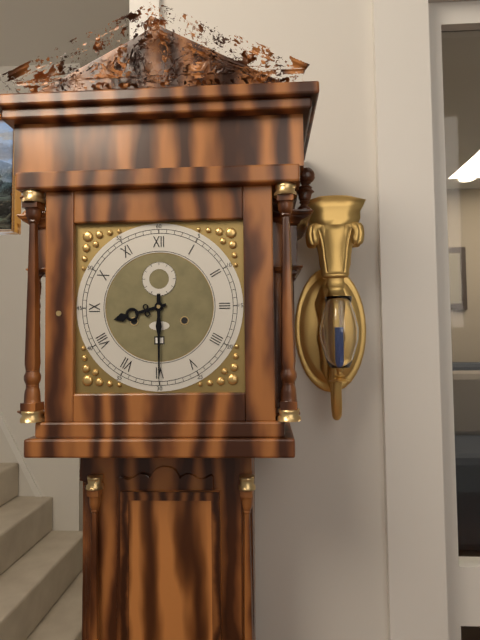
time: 8:30
